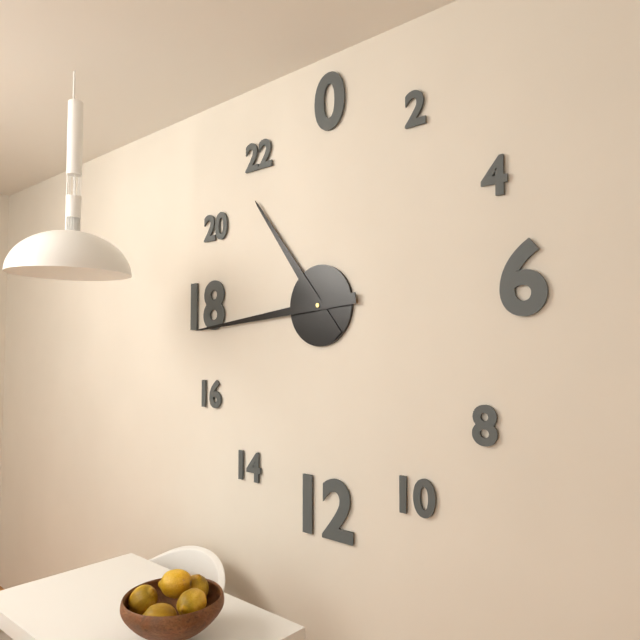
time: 10:44
